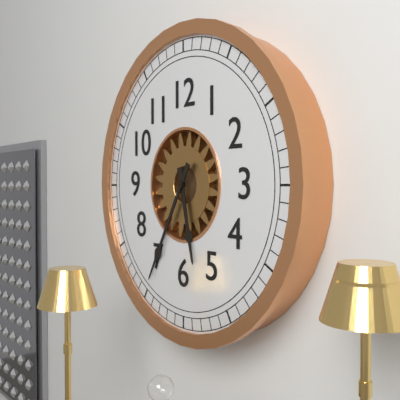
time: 5:35
